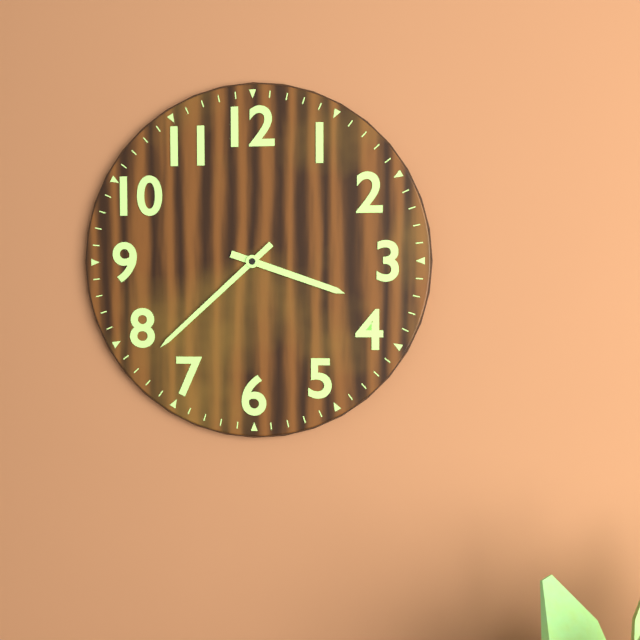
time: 3:38
